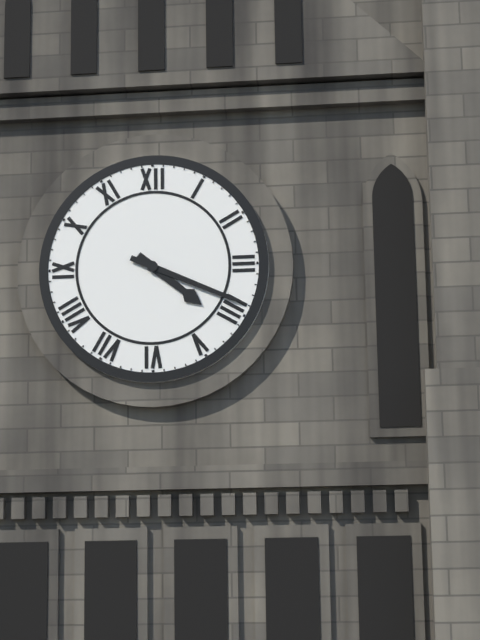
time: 4:19
